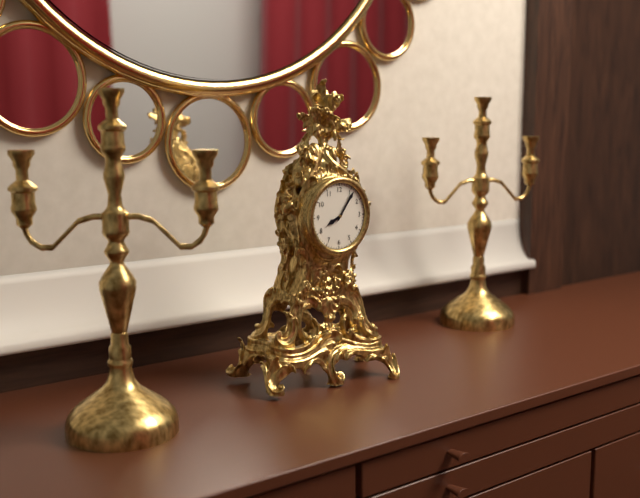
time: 8:06
